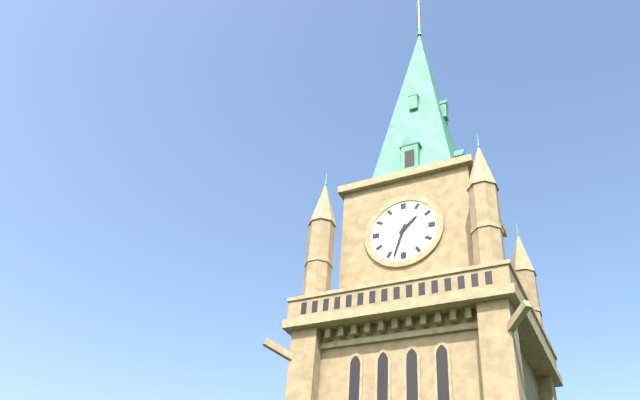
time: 1:33
